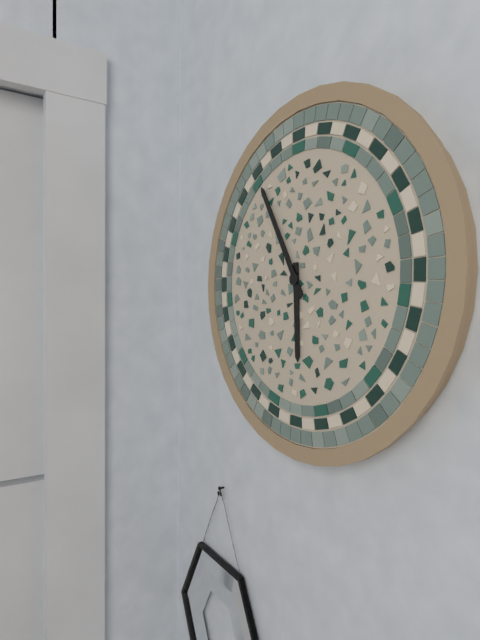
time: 5:55
